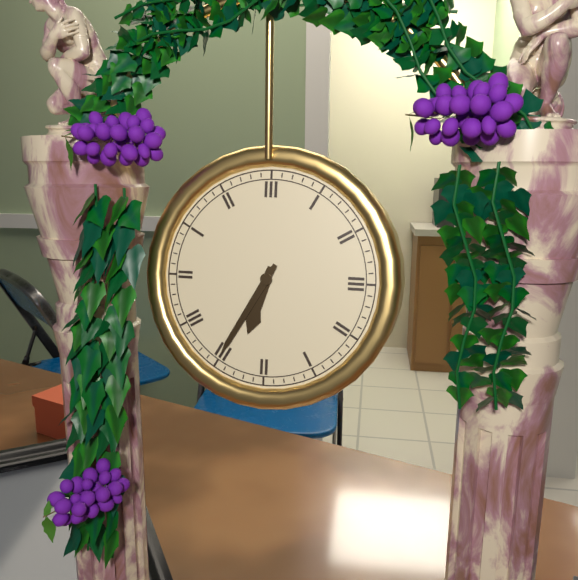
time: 6:35
